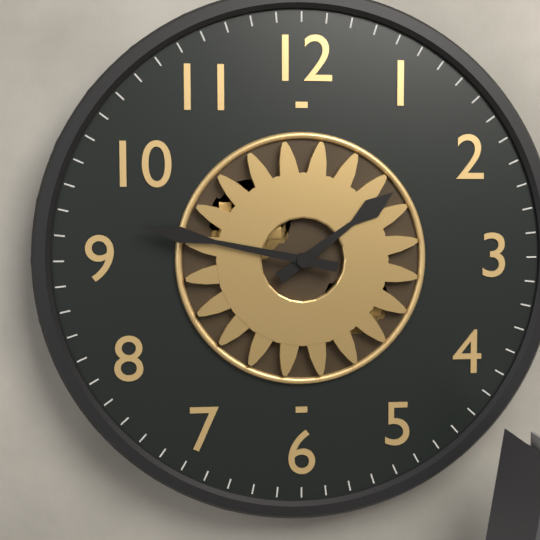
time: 1:47
